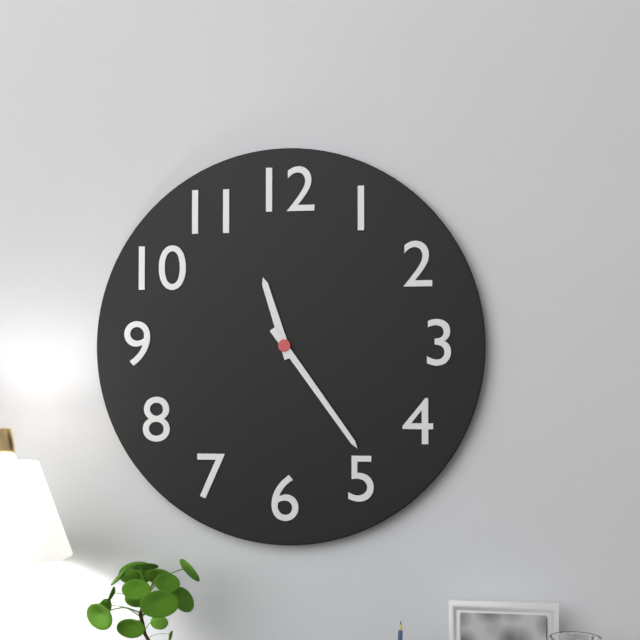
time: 11:24
